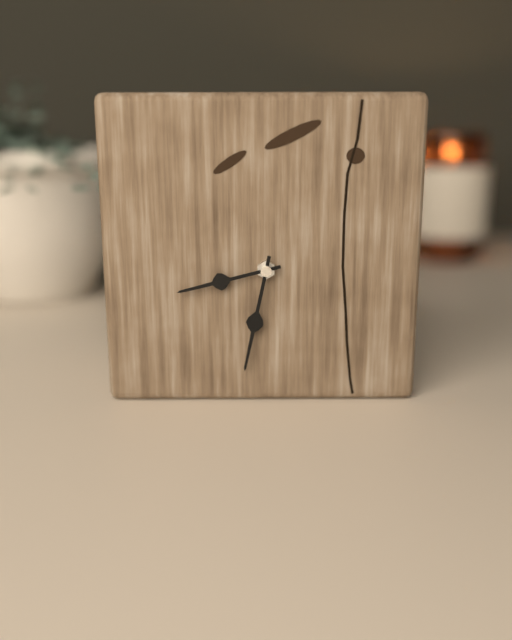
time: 8:32
